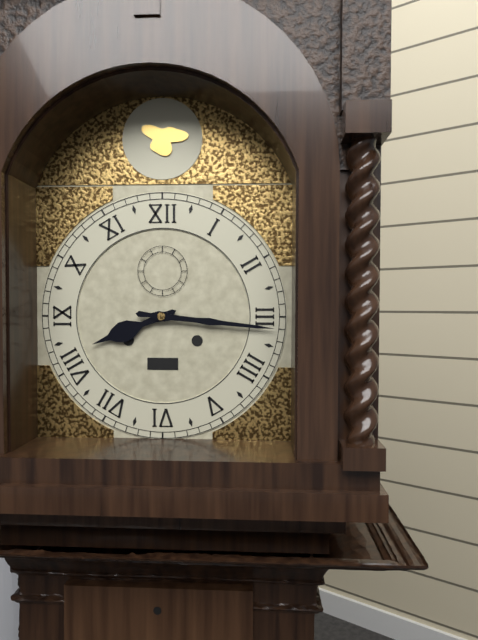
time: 8:16
